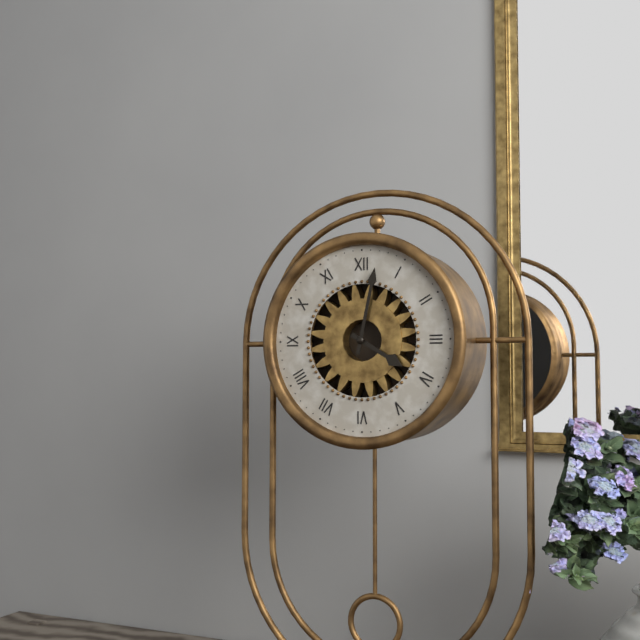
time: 4:02
